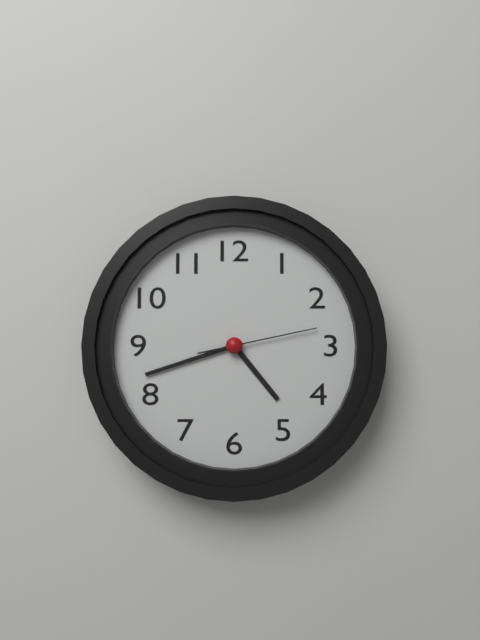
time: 4:42:13
